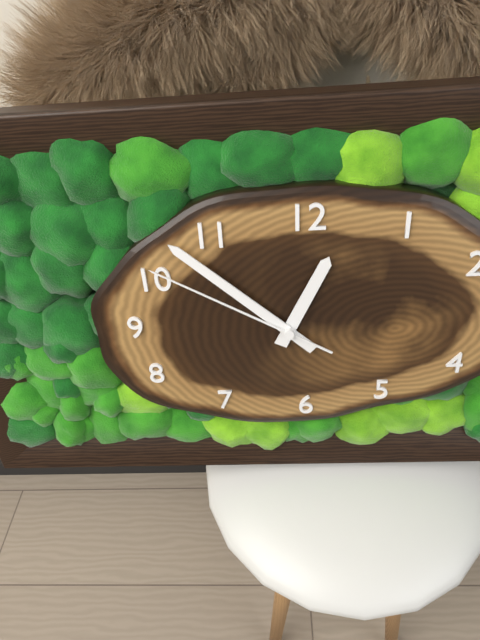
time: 12:52:50
